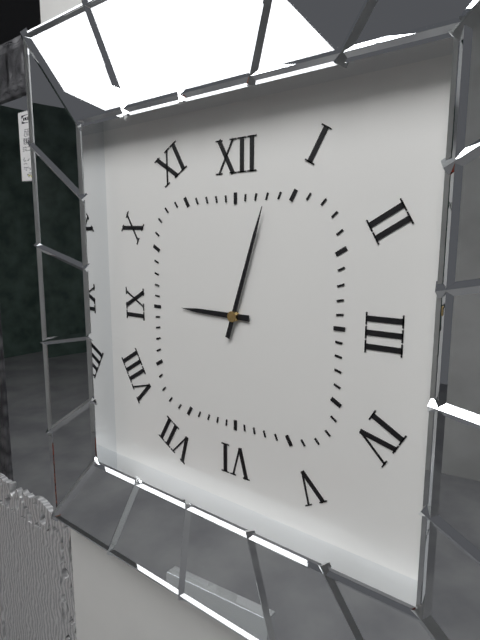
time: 9:03
